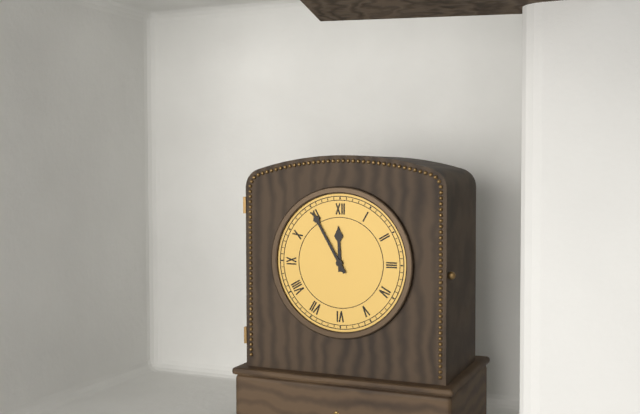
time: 11:55
